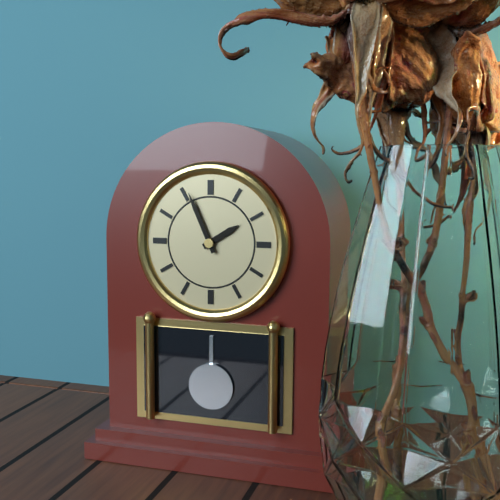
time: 1:56
